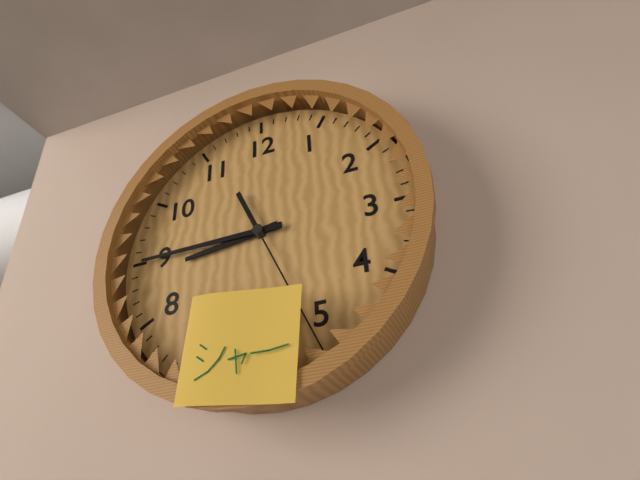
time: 8:45:26
